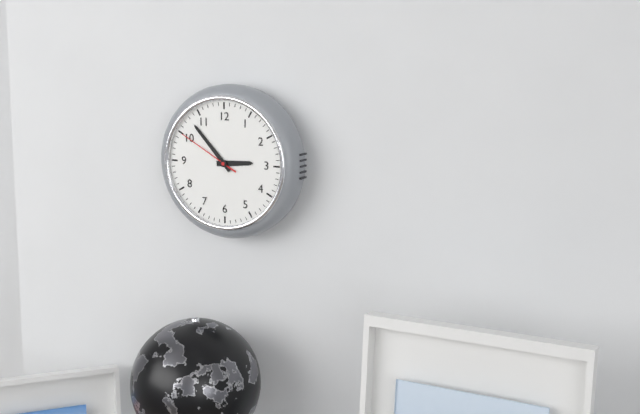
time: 2:53:50
